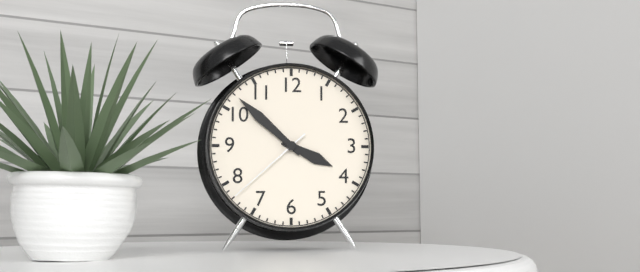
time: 3:52:38
